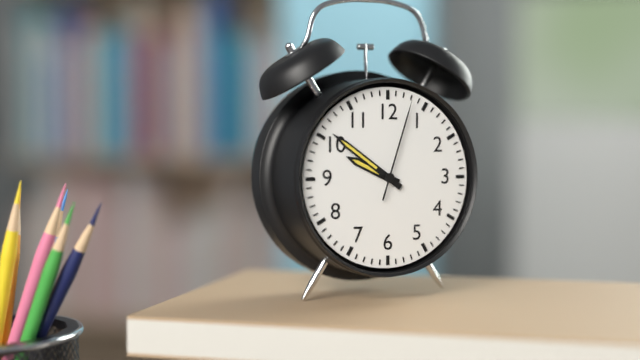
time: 9:51:03
